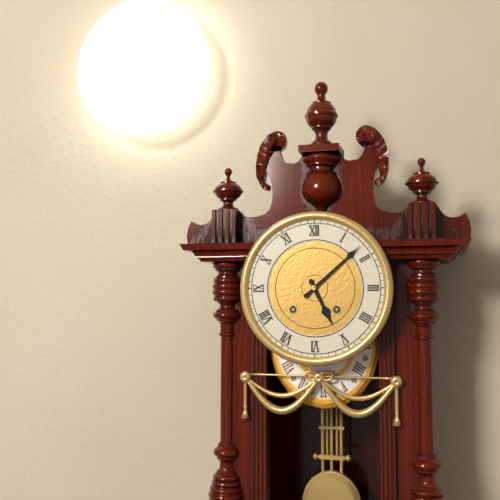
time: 5:08
